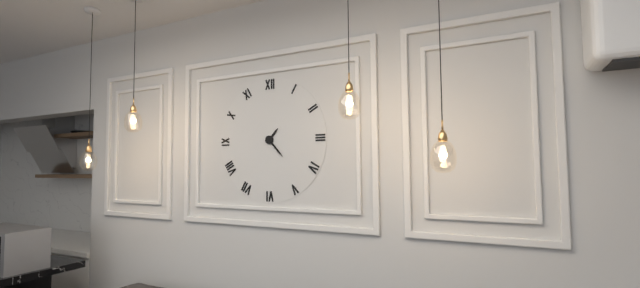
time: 1:23
